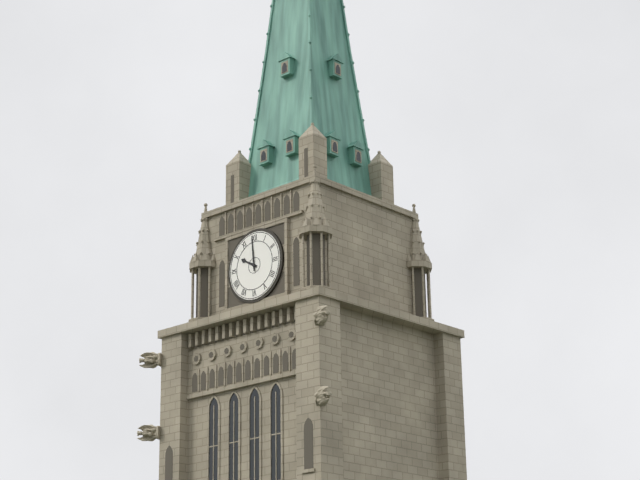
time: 9:59
